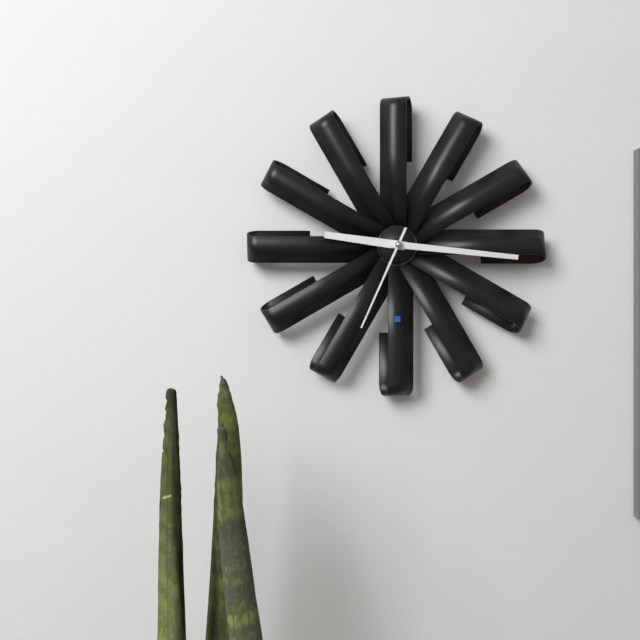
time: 9:16:34
